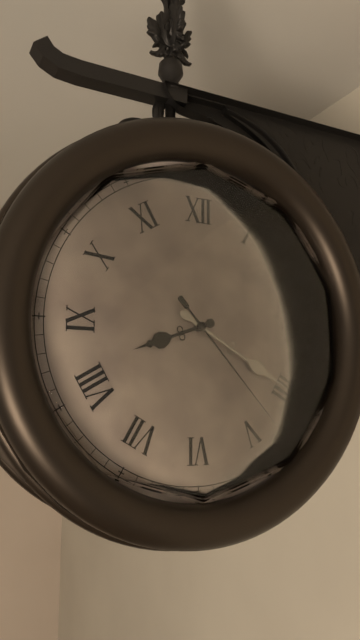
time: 8:20:23
